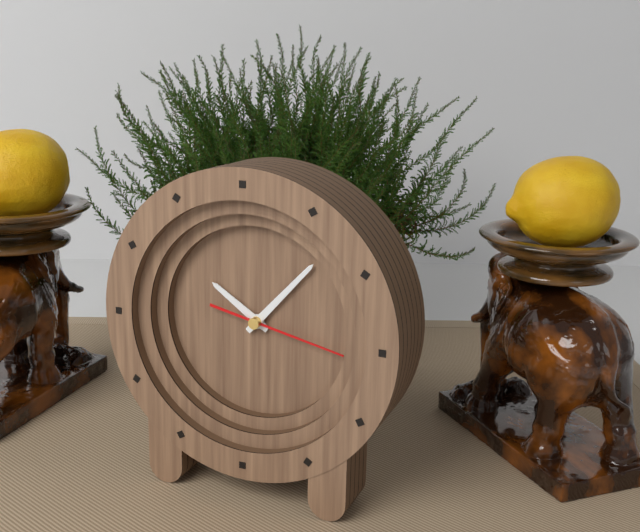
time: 10:07:17
